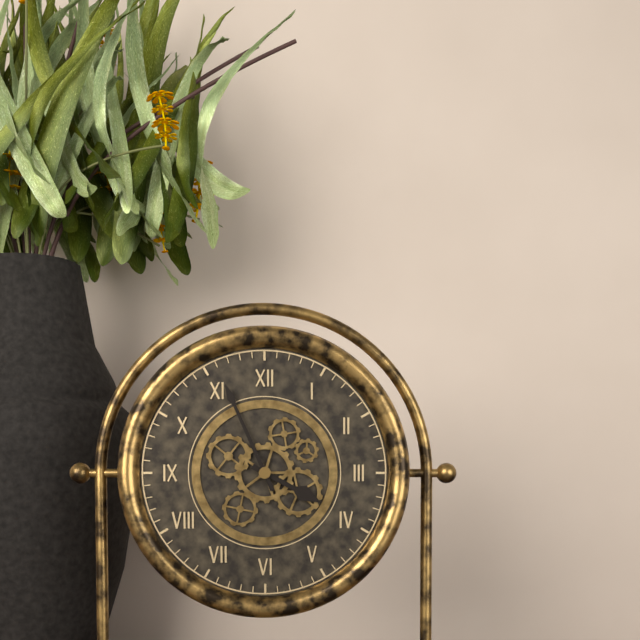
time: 3:56
